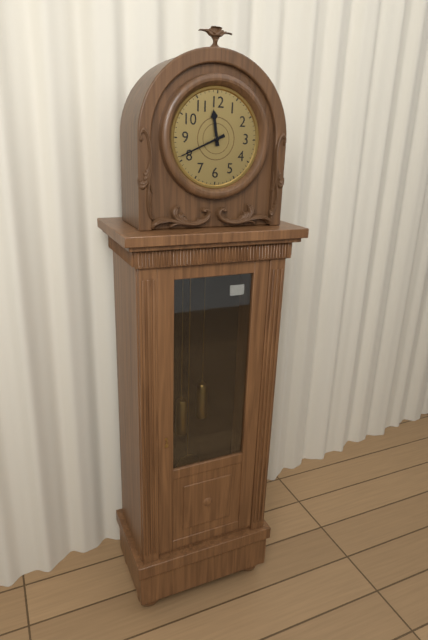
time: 11:41
